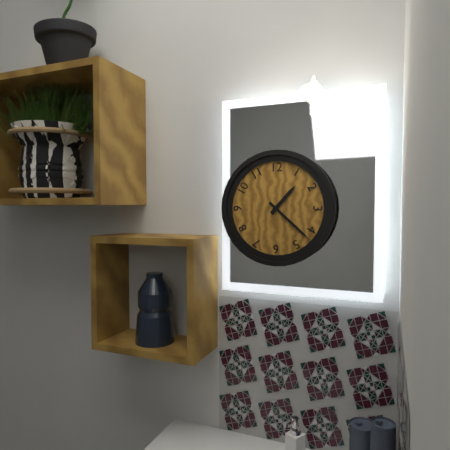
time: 1:22
